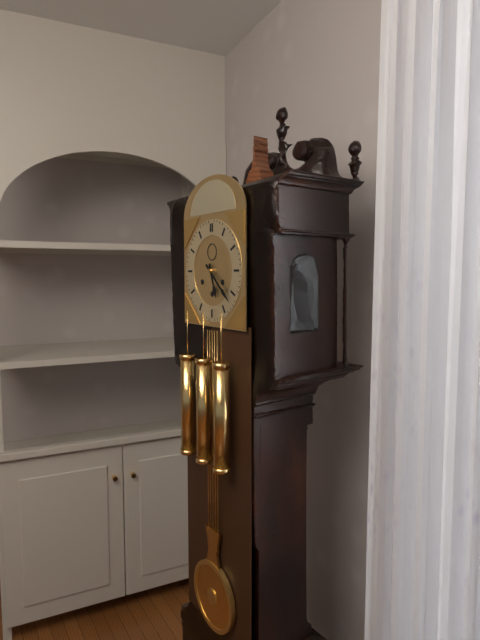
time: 5:22
